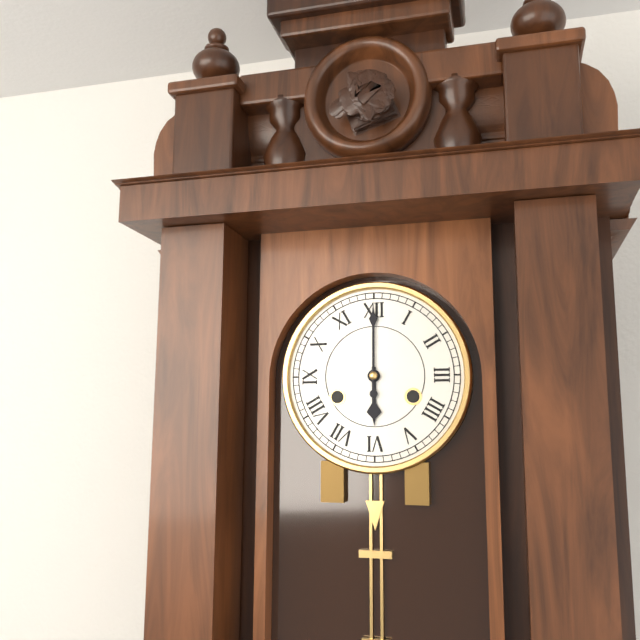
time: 6:00
